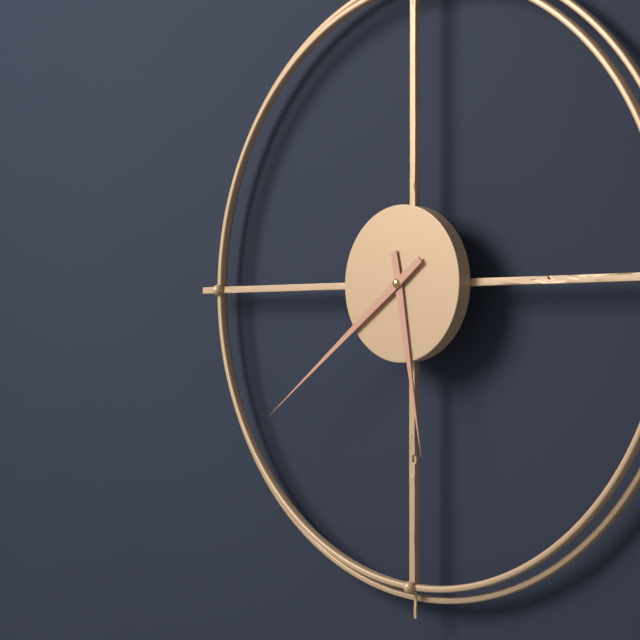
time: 5:39
